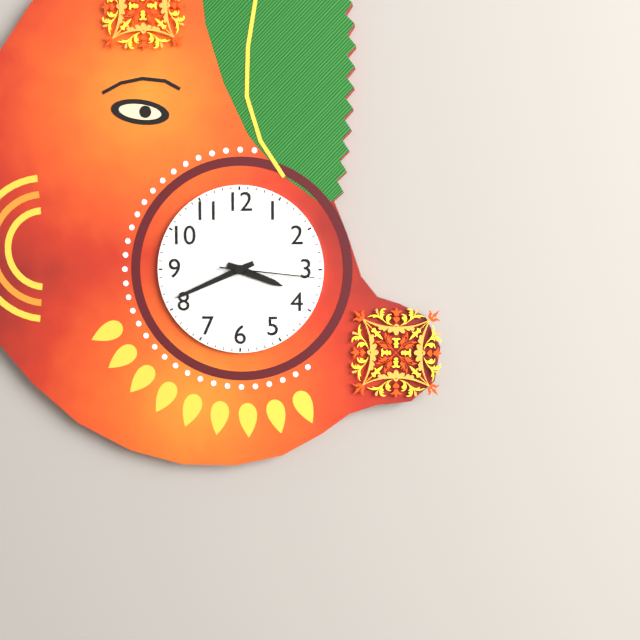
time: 3:41:16
